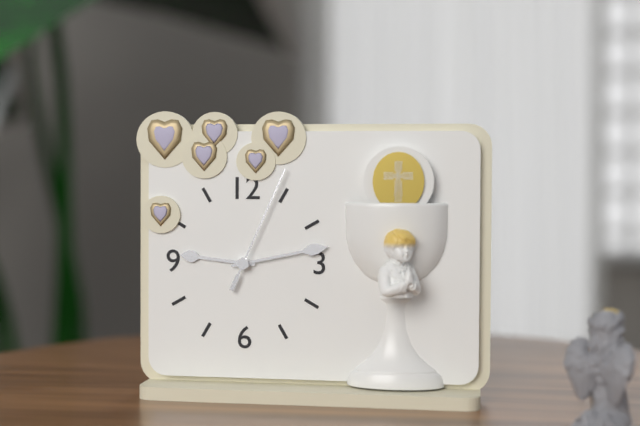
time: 9:13:04
